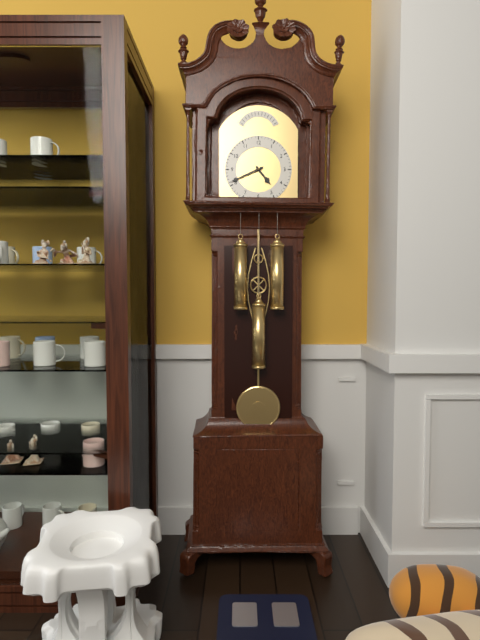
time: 4:41
